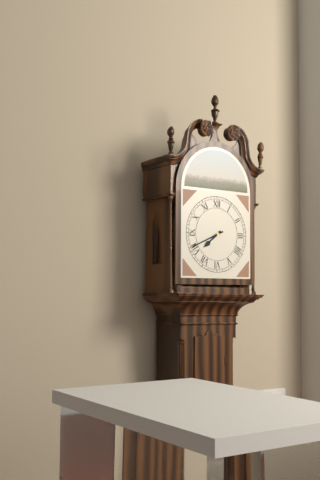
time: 7:41
